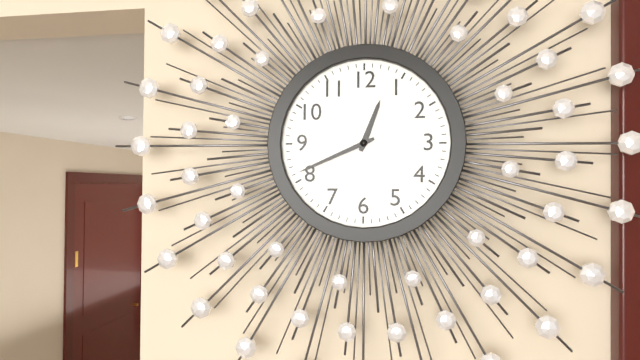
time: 12:41
